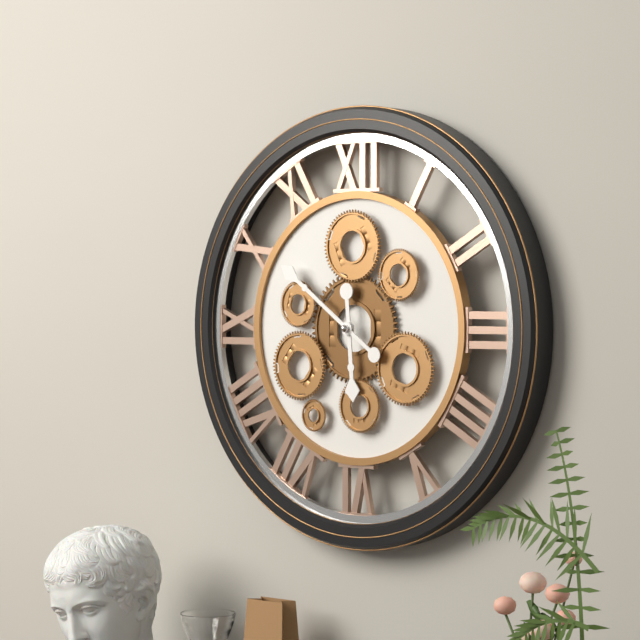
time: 5:51
